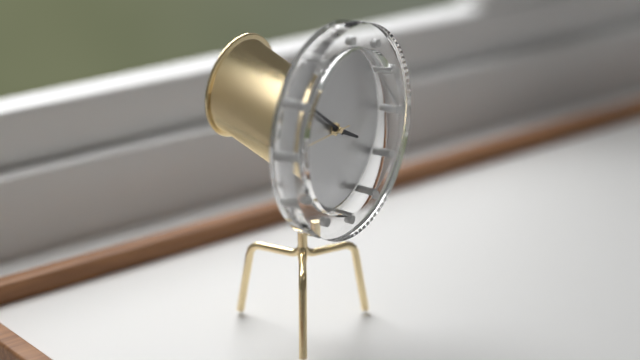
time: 3:51:45
